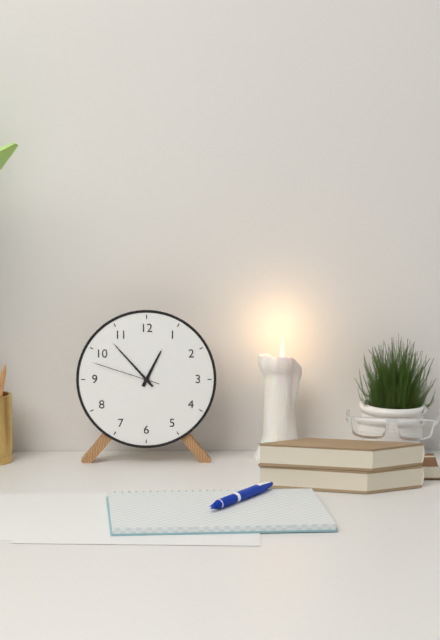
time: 12:53:48
